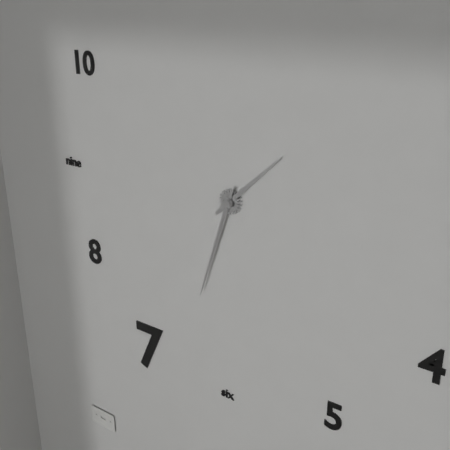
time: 1:33
